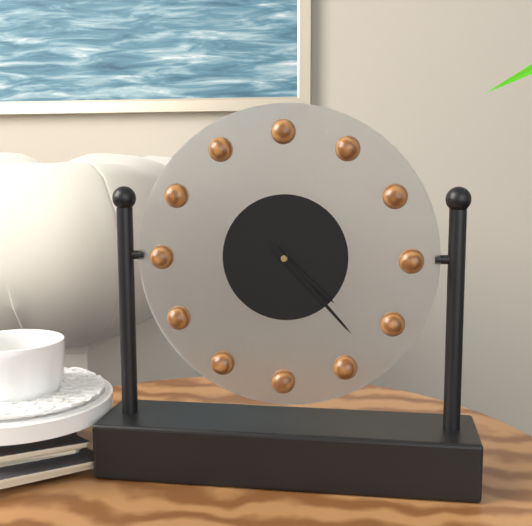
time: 4:23
